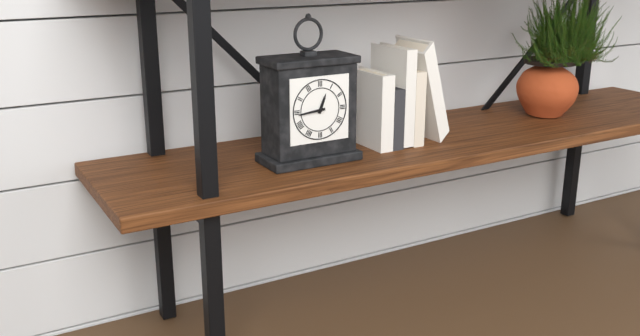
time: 12:44
